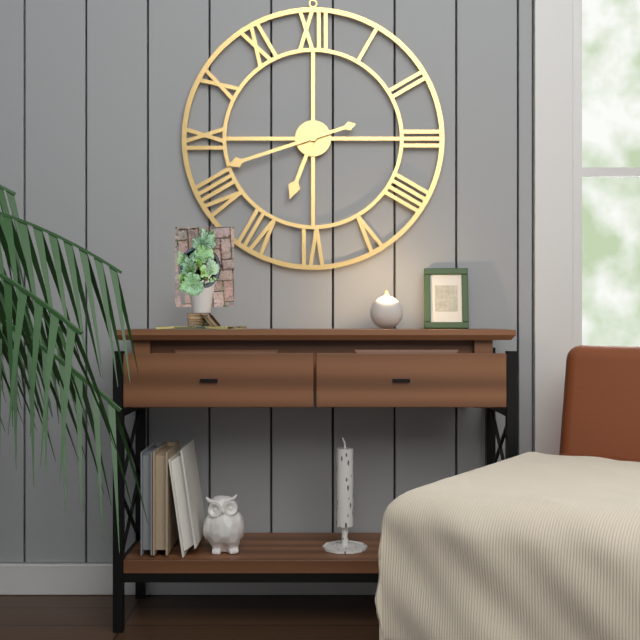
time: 6:42
